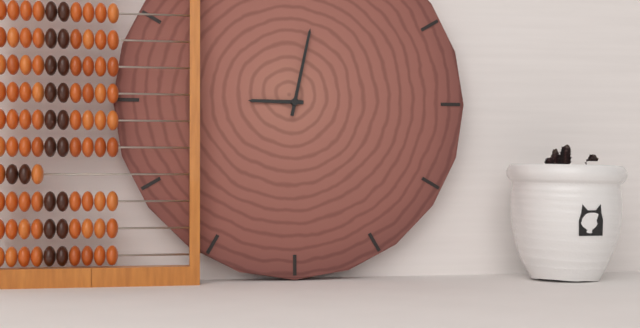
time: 9:02
